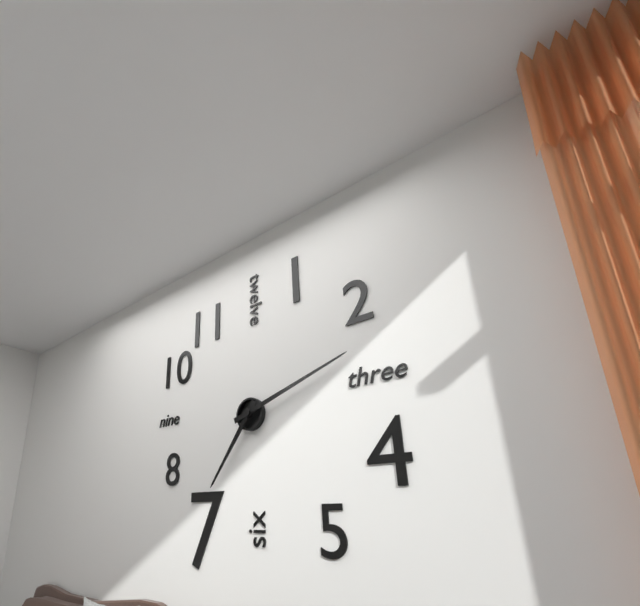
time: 7:12
